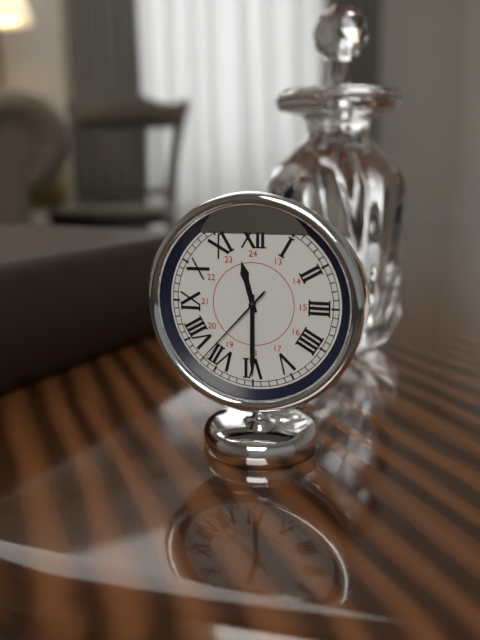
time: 11:30:37
